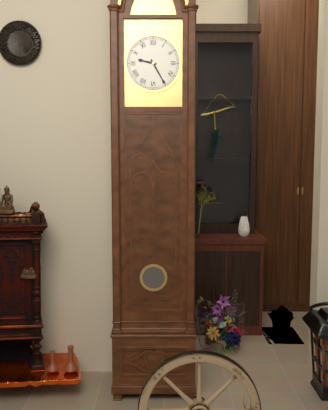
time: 9:25
